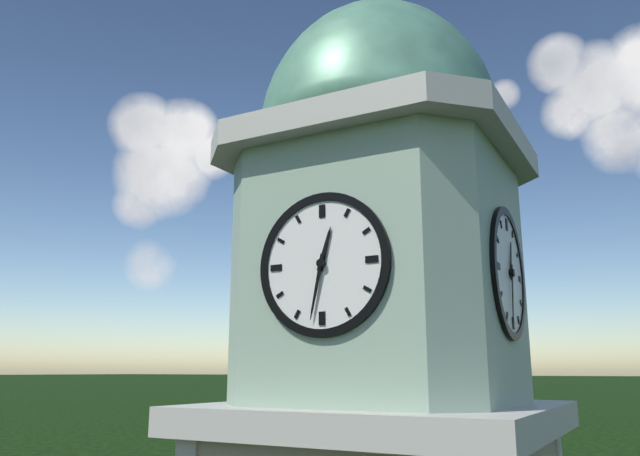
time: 12:32
